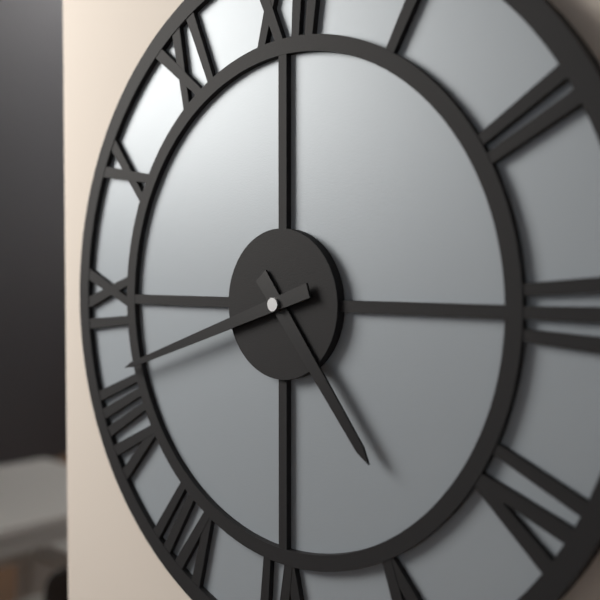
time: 4:42
